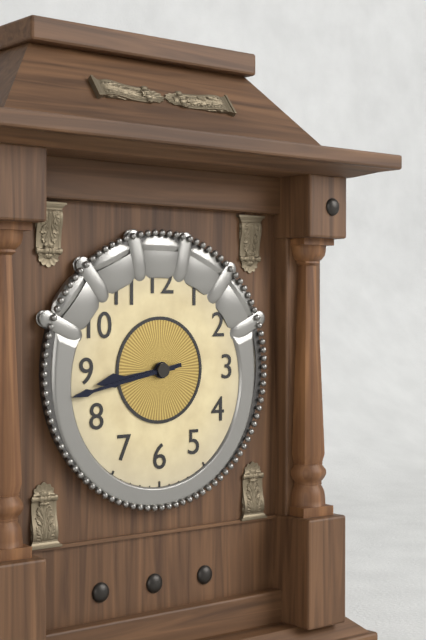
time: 8:43
